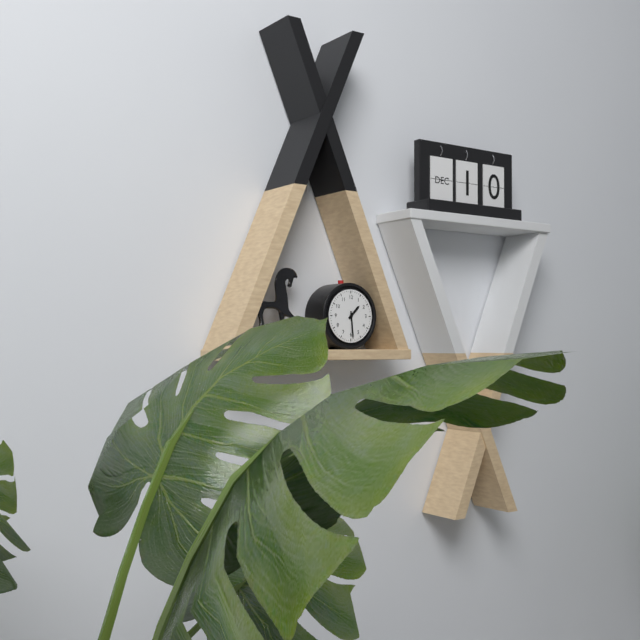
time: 1:29
